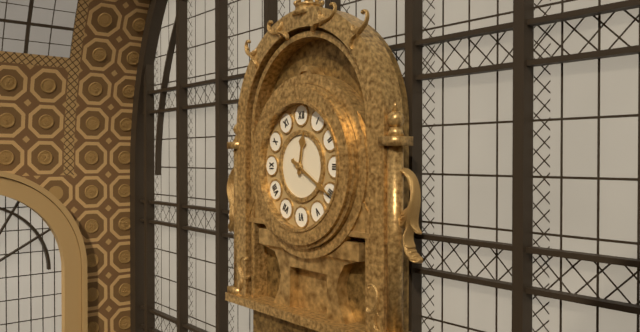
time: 12:20
